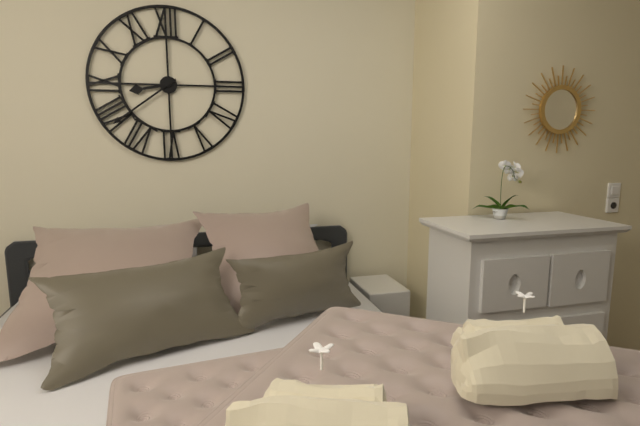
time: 8:39
